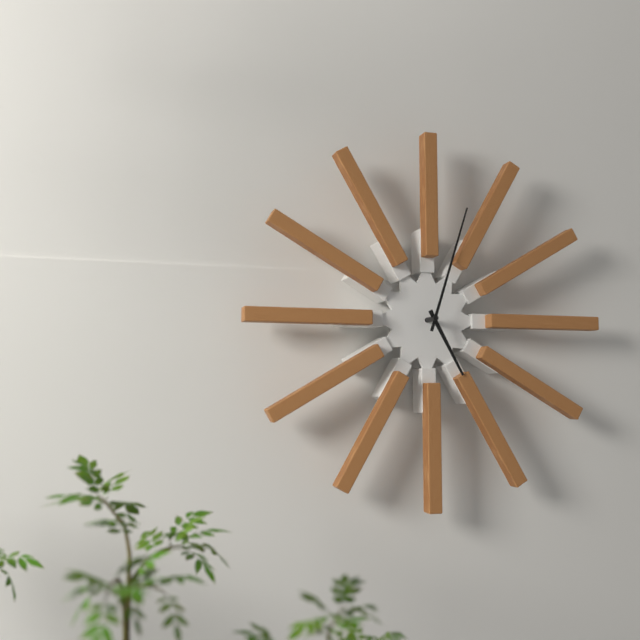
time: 5:03
